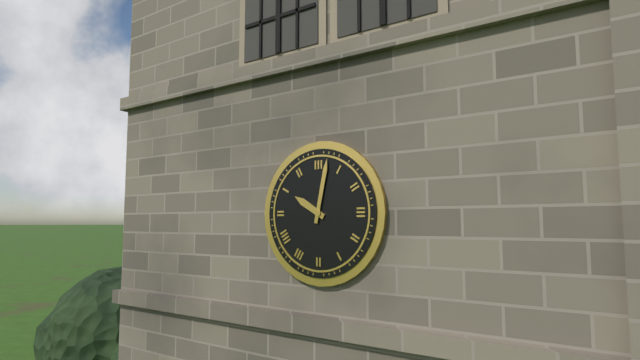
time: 10:02
